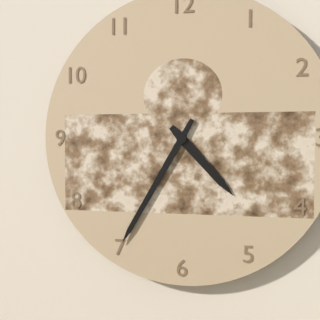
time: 4:35
